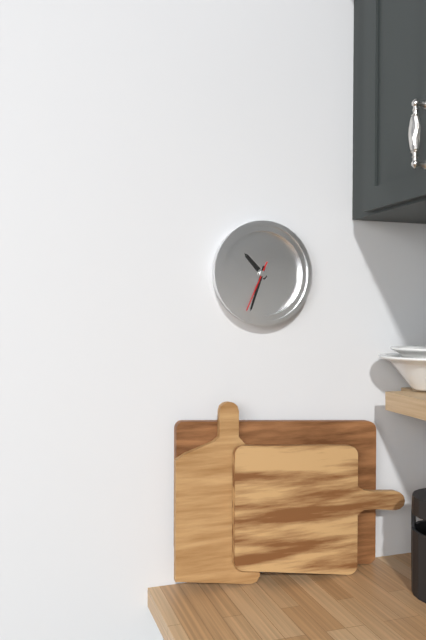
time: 10:33
